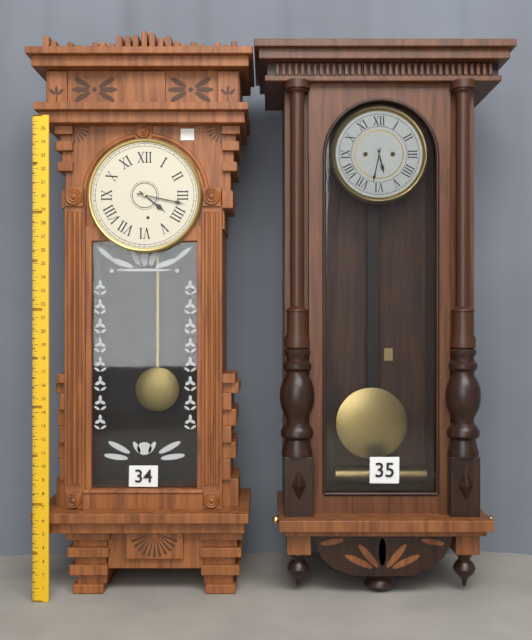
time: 4:17
